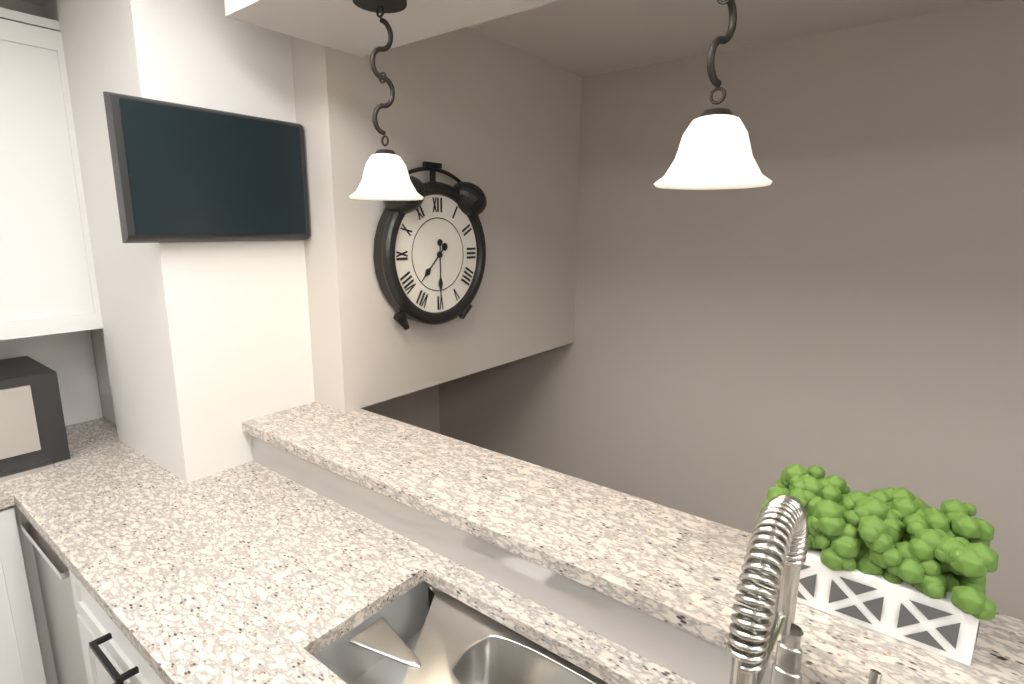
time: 7:30
